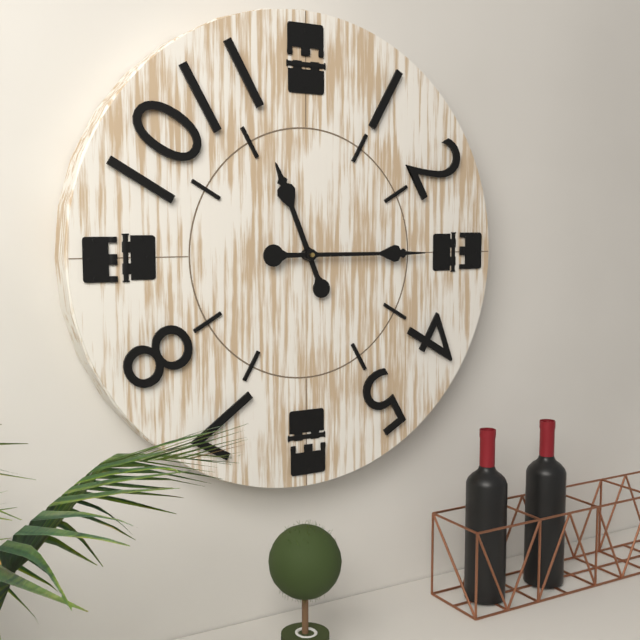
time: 11:15
